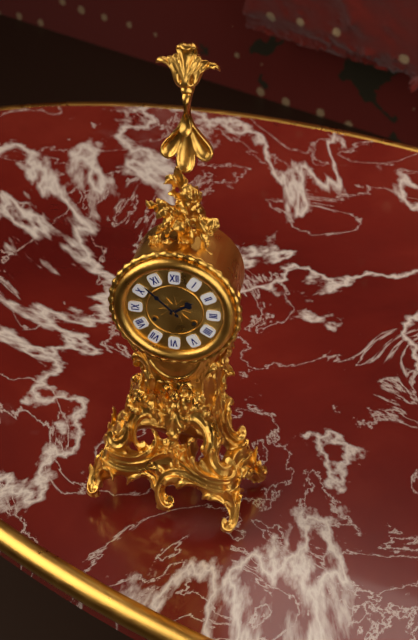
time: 1:52
